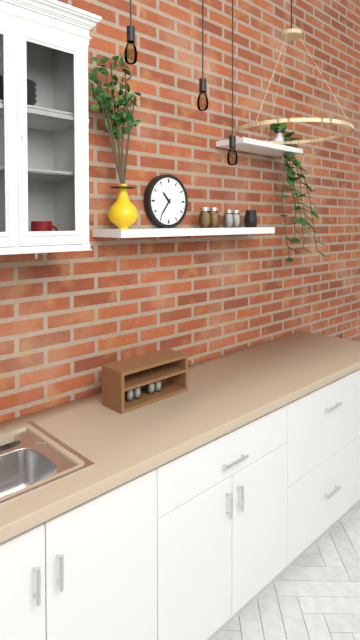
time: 10:36
